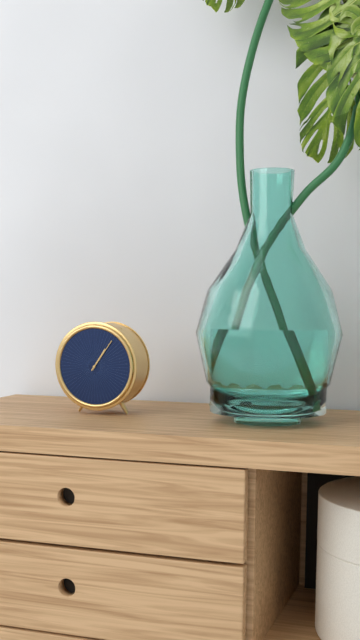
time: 1:06
